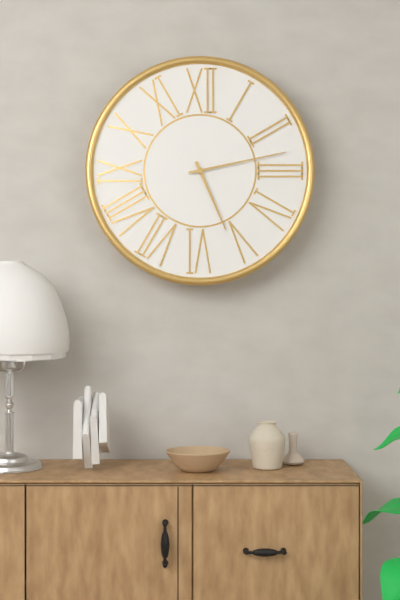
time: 5:13
